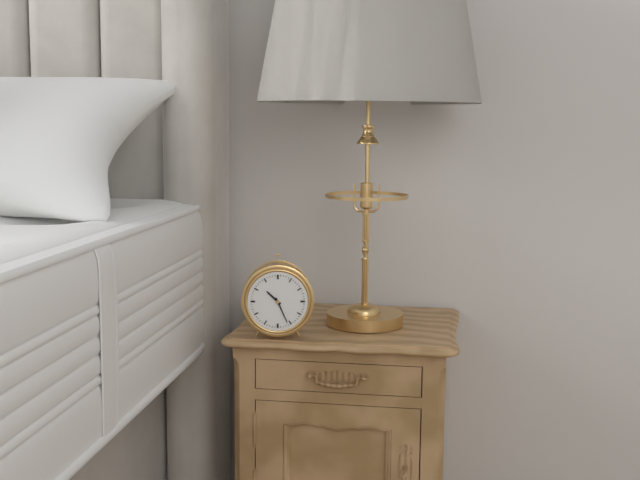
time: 10:26
